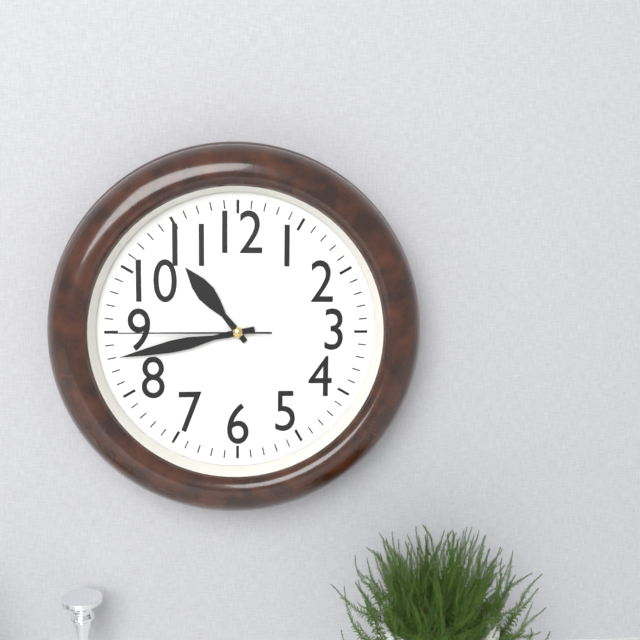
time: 10:43:45
